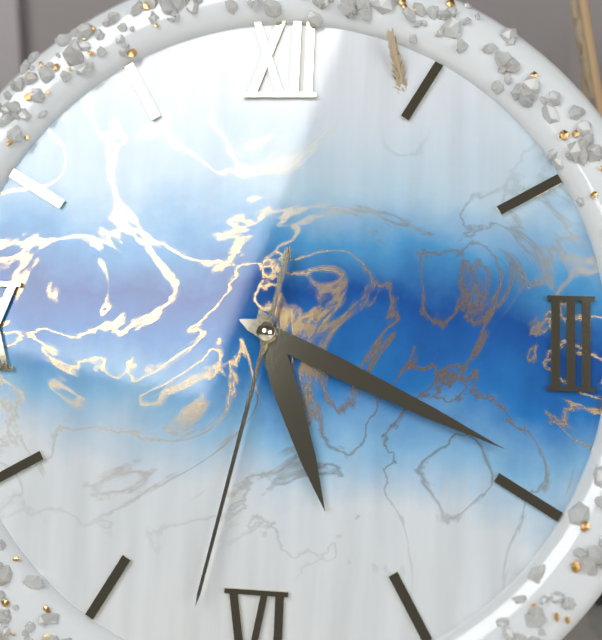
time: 5:19:32
